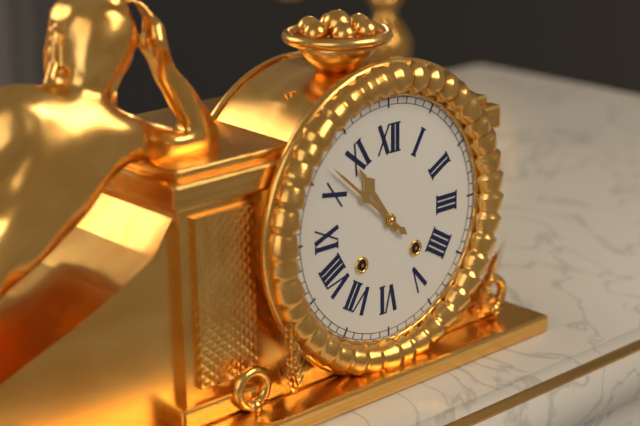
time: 10:52
